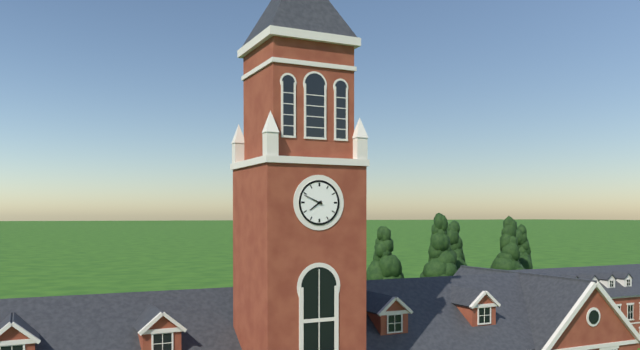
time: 7:49
